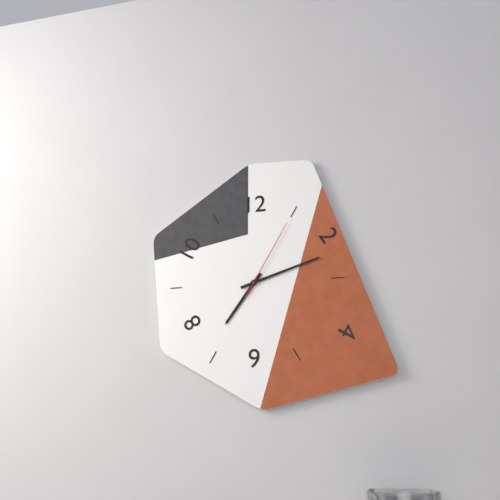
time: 7:12:05
